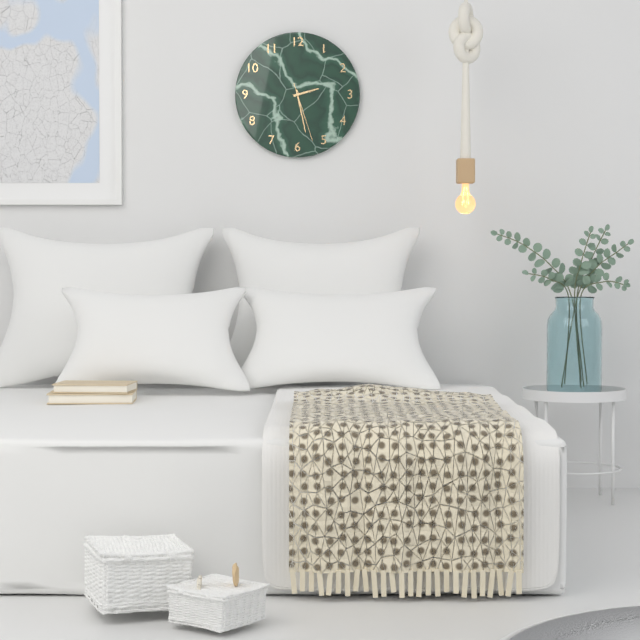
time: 2:28:27
